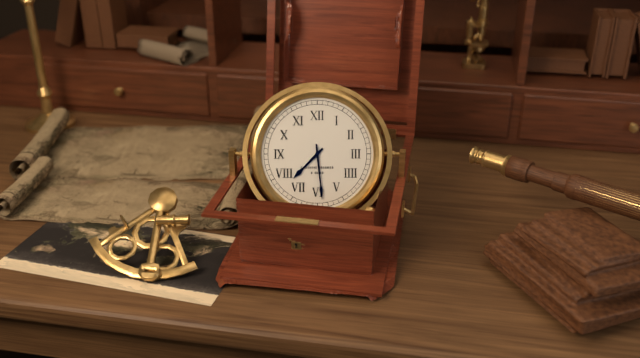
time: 7:29
